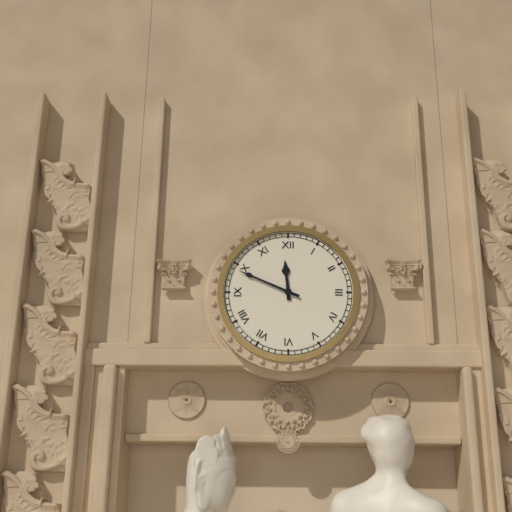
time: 11:49
